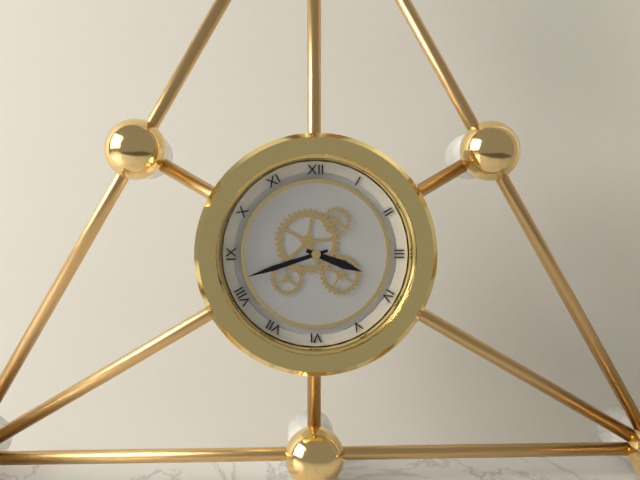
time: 3:42
